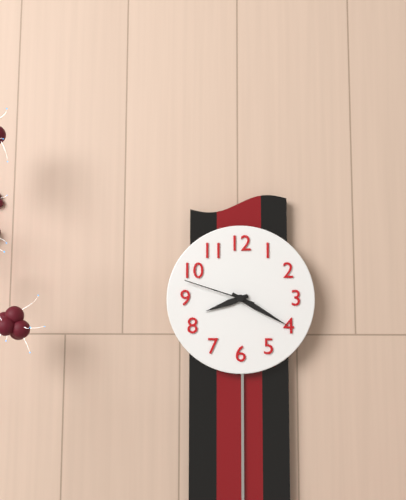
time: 8:20:48
